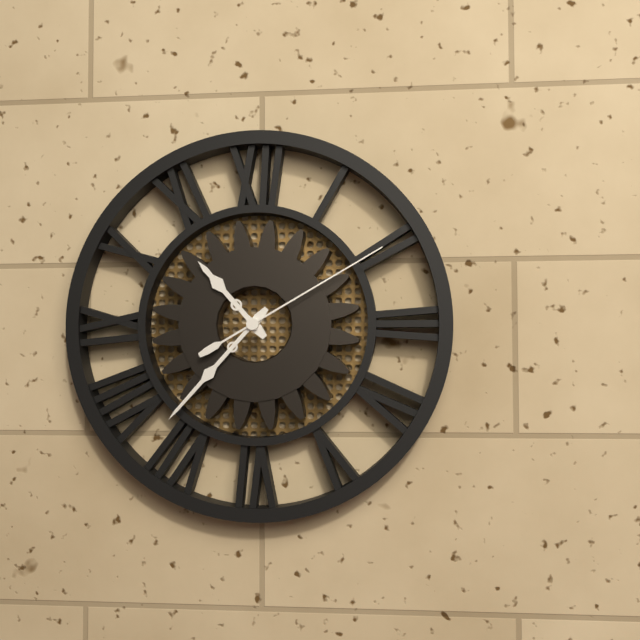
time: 10:37:10
